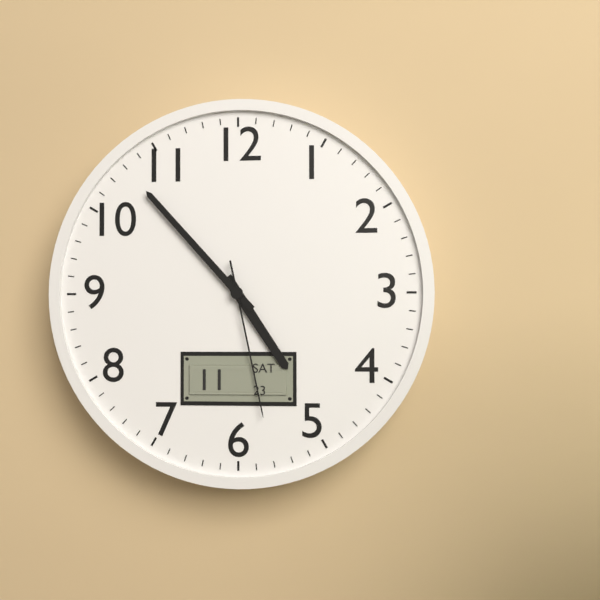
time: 4:53:28
